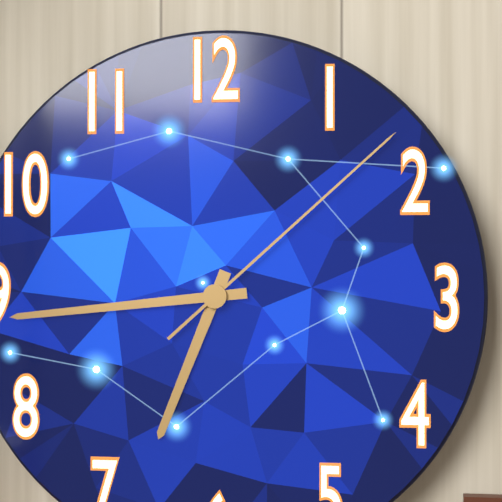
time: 6:44:08
